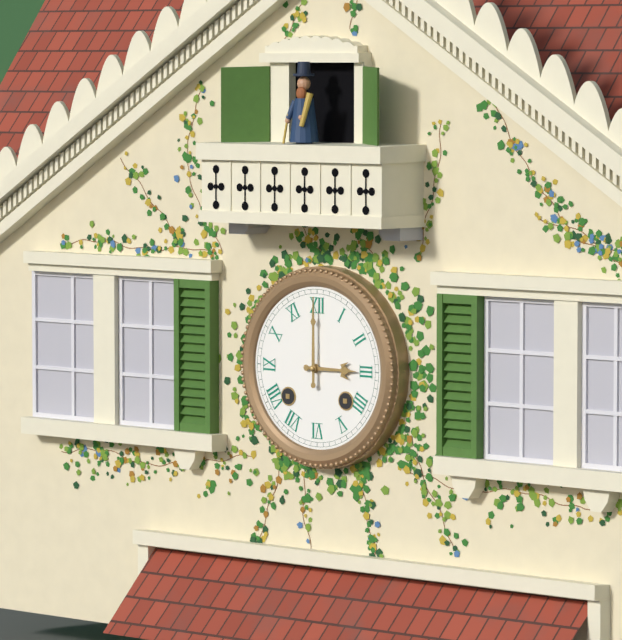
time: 3:00
